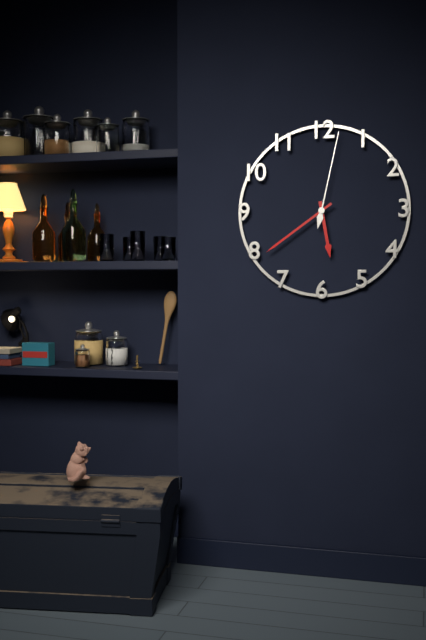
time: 5:39:02
